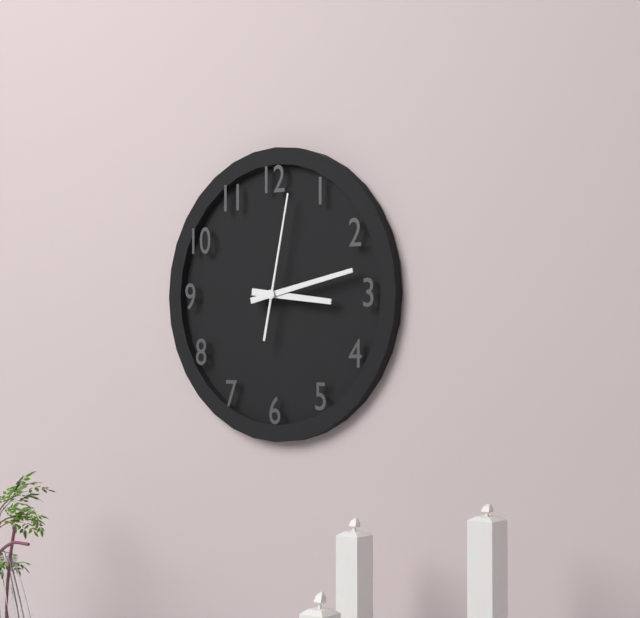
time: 3:13:02
